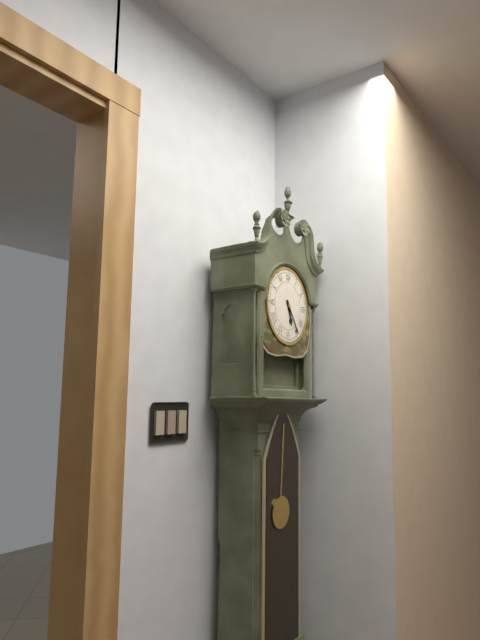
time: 5:24
